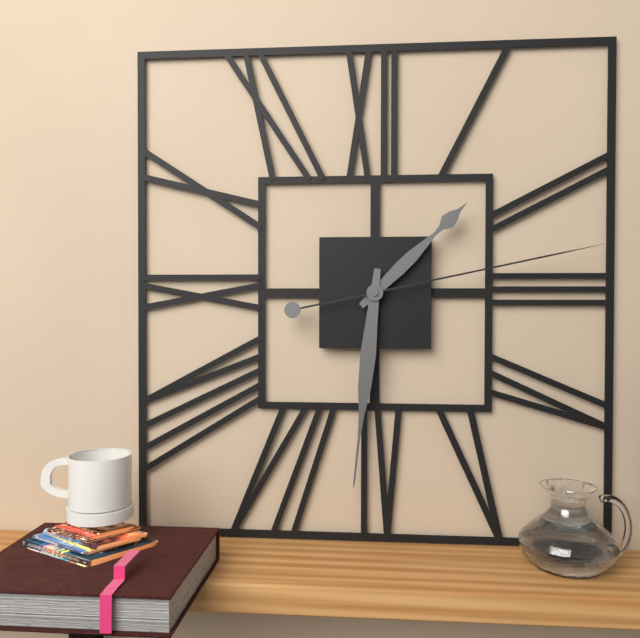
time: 1:31:13
